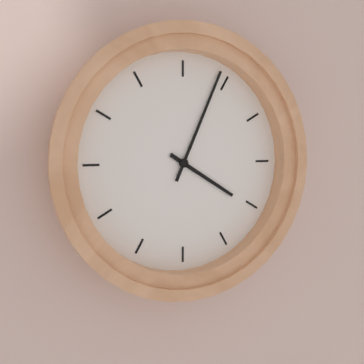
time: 4:04
